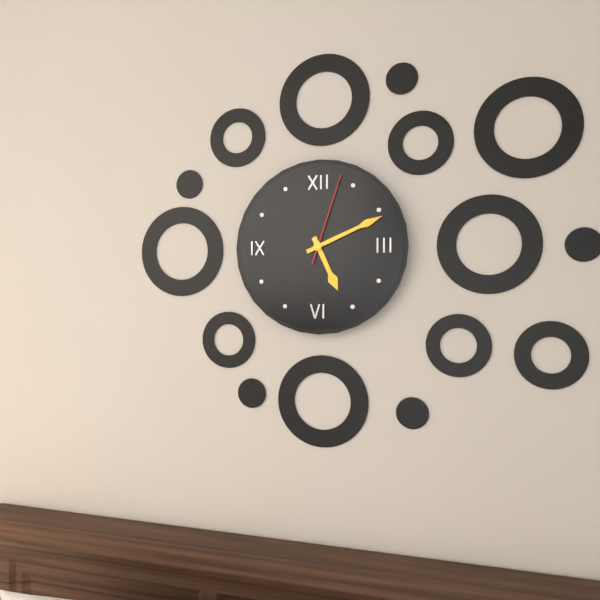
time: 5:11:03
